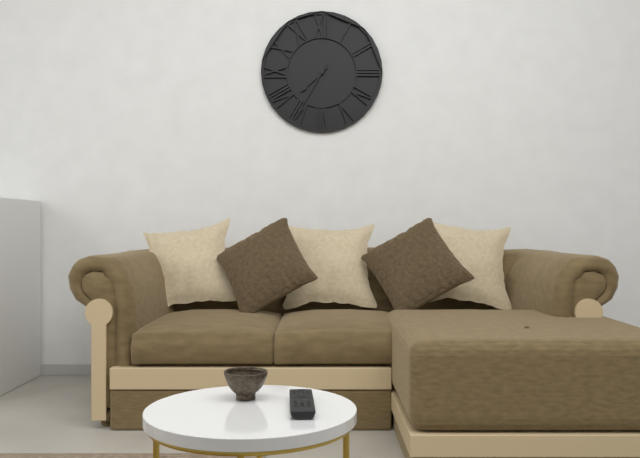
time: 7:35
